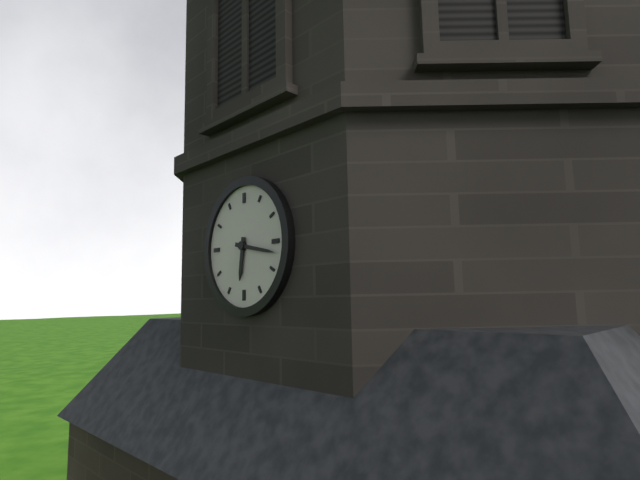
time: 6:17
